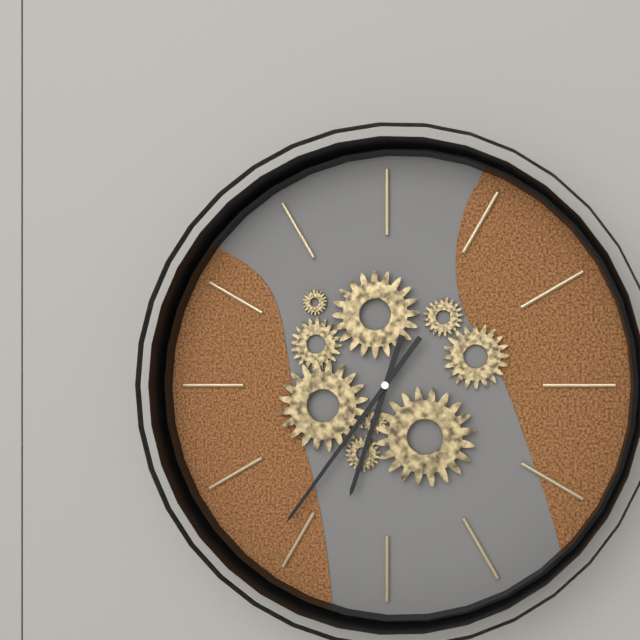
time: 6:36
